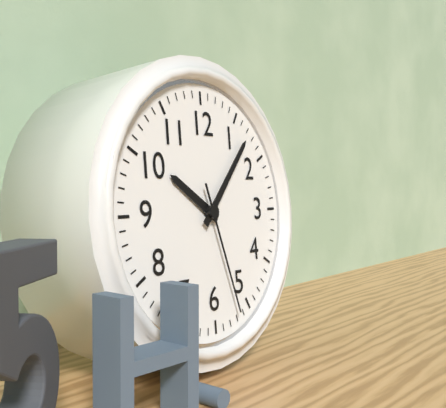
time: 10:07:27
